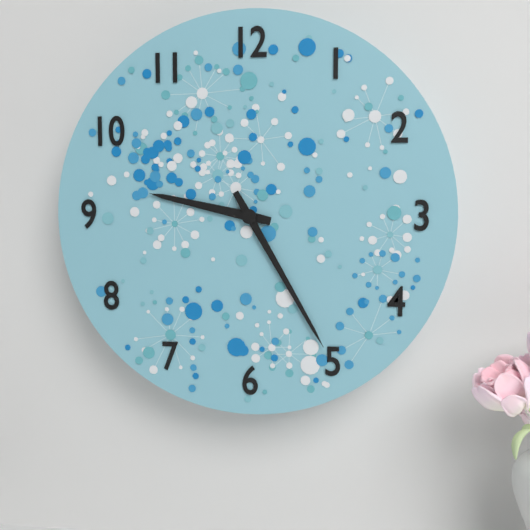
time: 9:25
